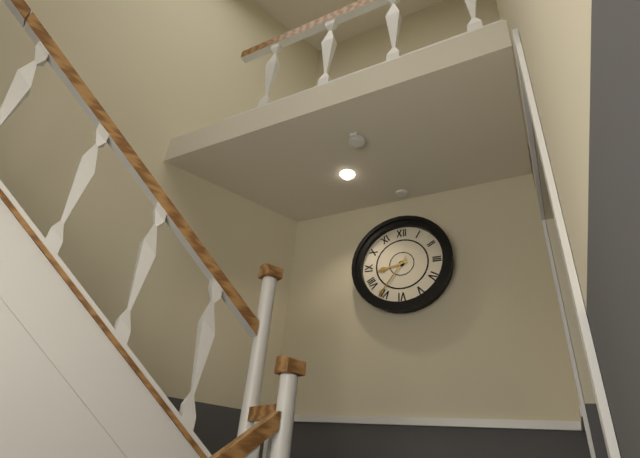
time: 8:36
